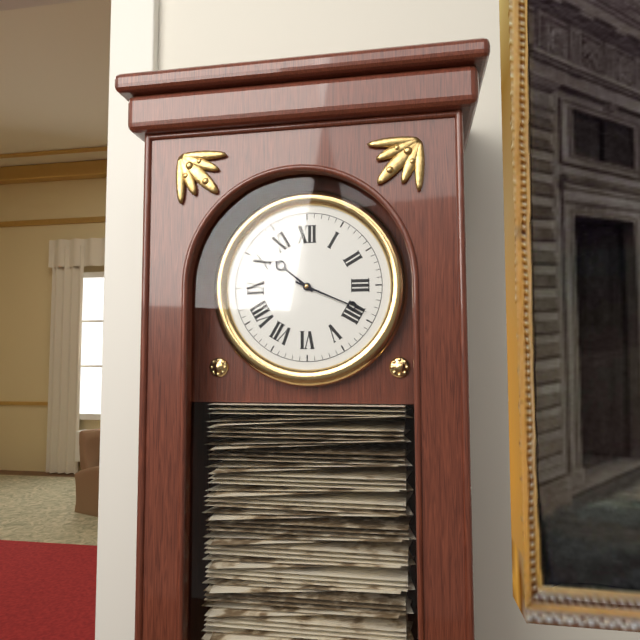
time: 10:19
